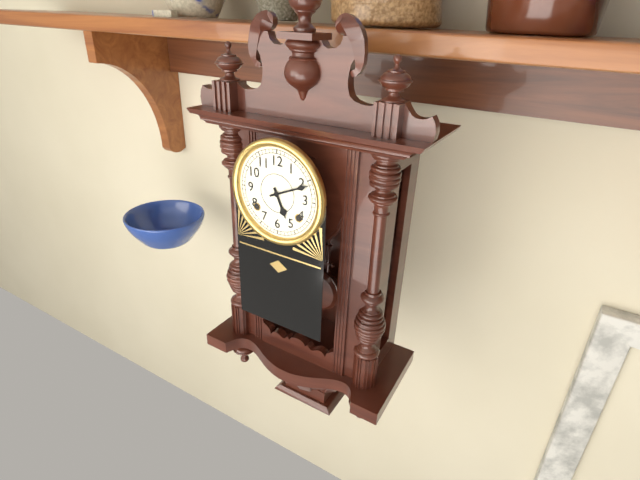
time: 5:11
